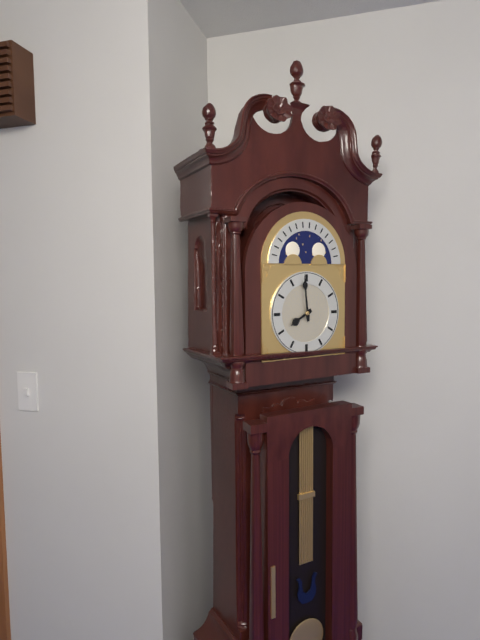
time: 7:59
